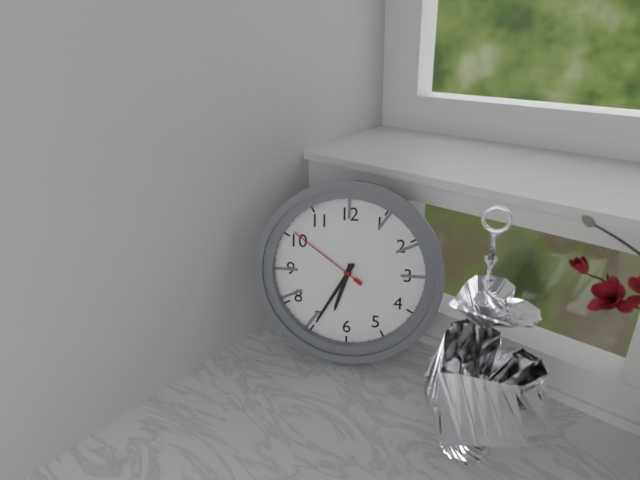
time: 6:35:51
